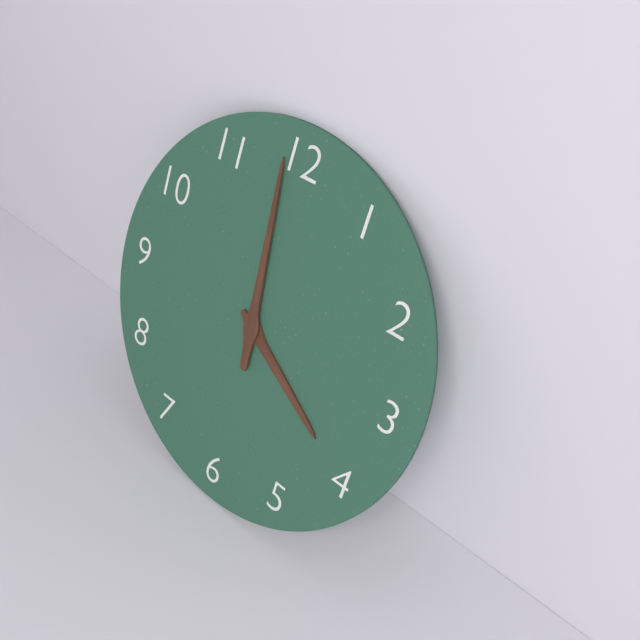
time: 3:59
